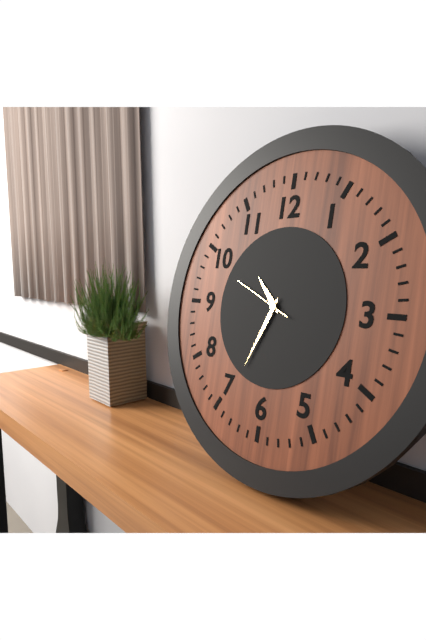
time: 10:34:49
